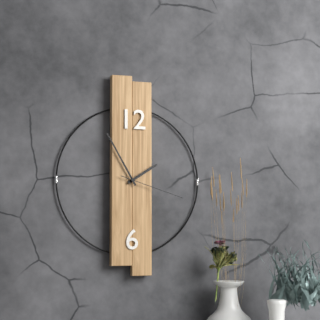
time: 1:55:18
